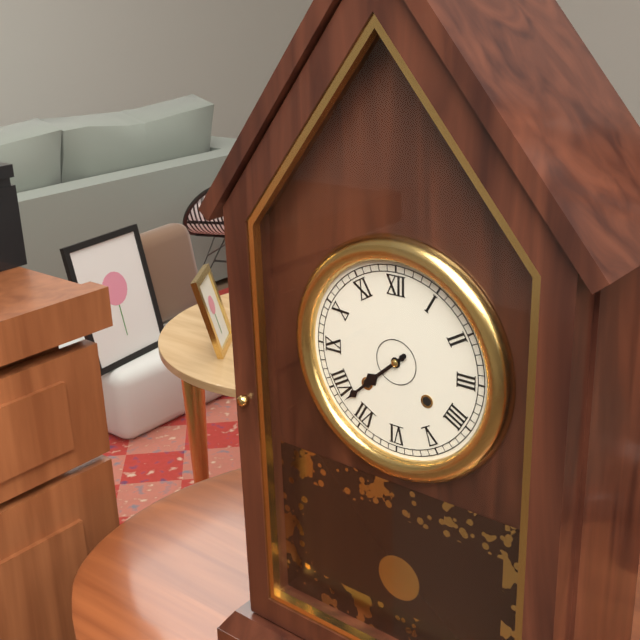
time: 7:38
